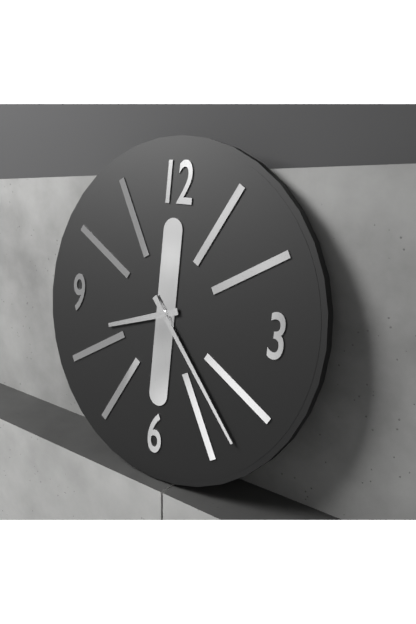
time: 8:23
